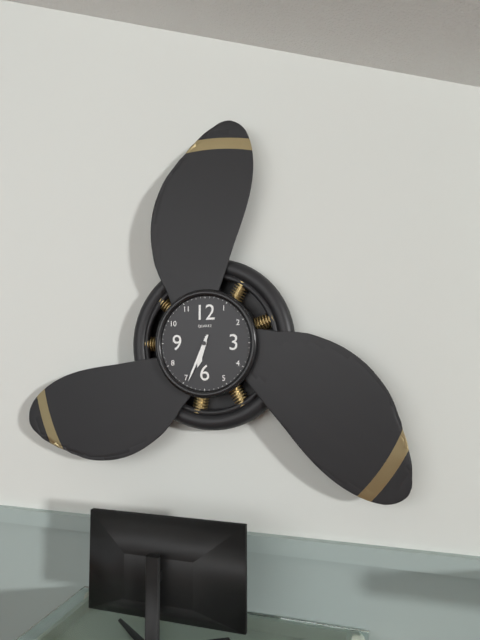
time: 6:34
